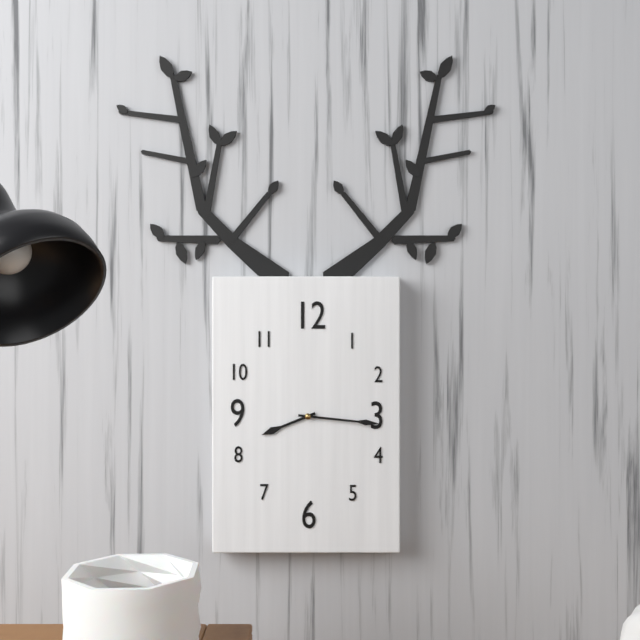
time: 8:16
